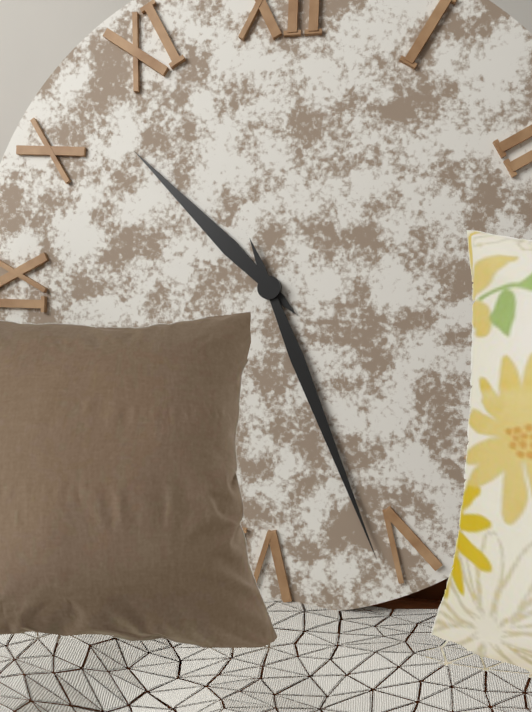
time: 10:26
